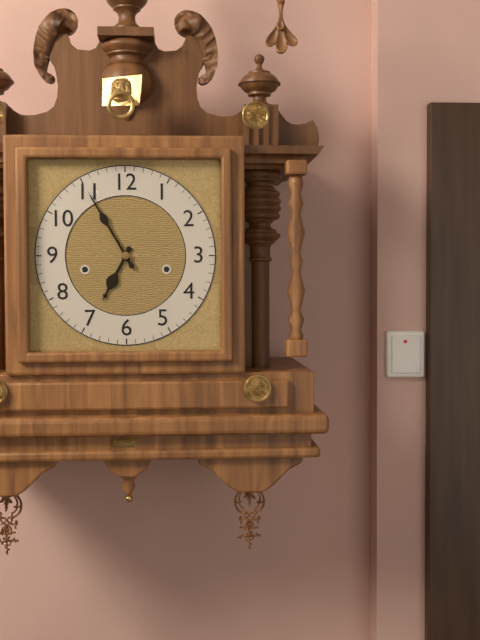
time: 6:55
